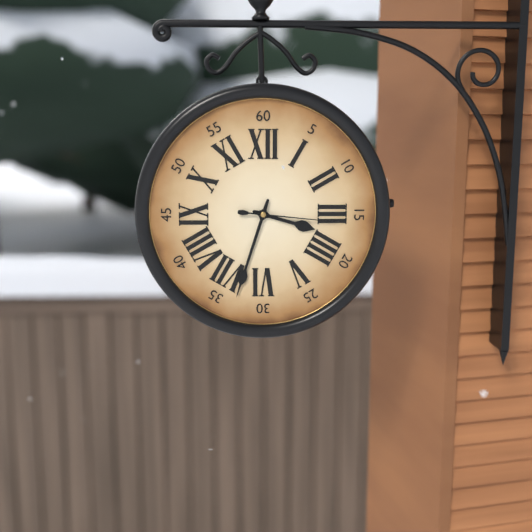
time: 3:33:16
